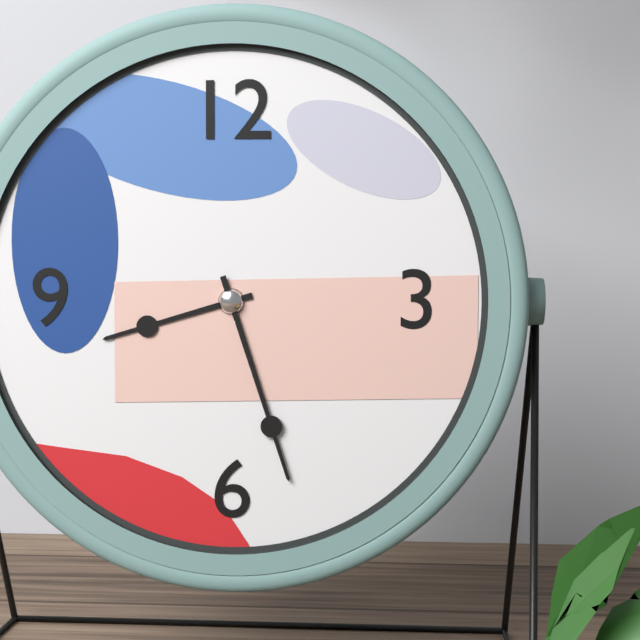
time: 8:27
